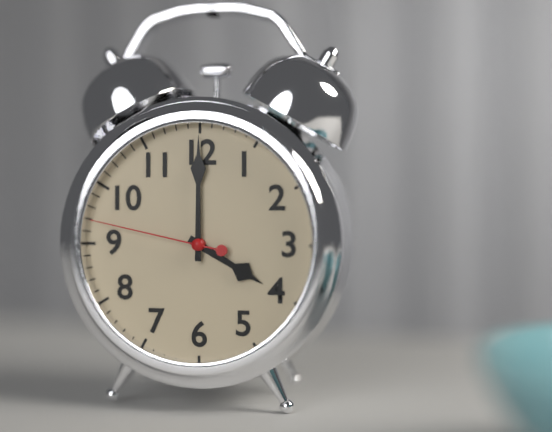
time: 4:00:47
